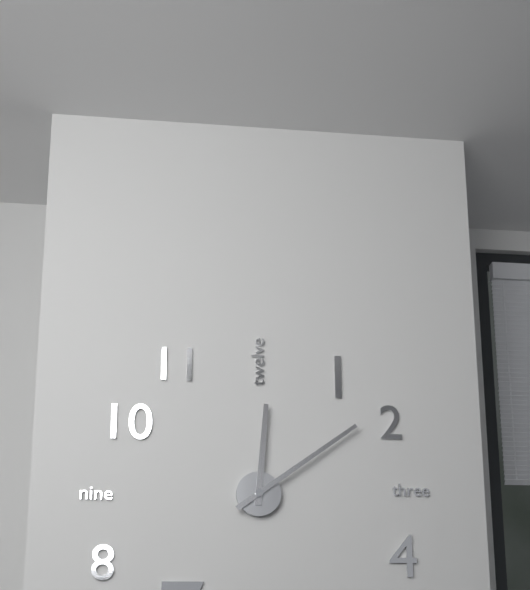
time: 12:09
